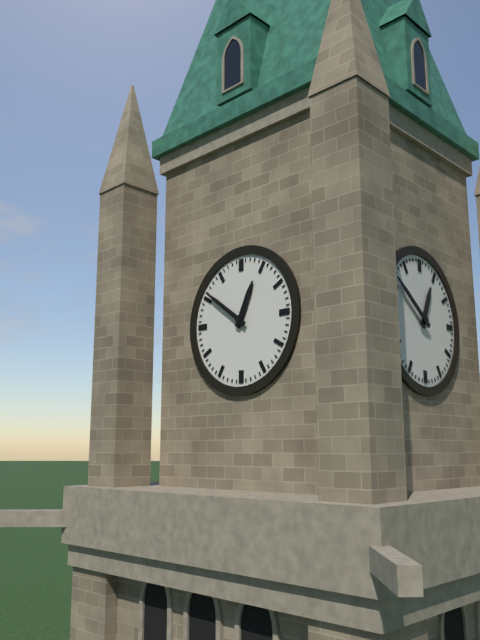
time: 12:51
